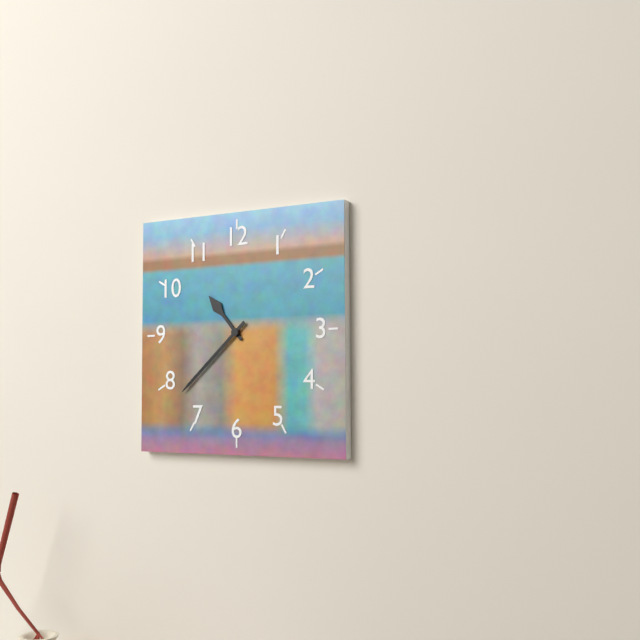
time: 10:38
